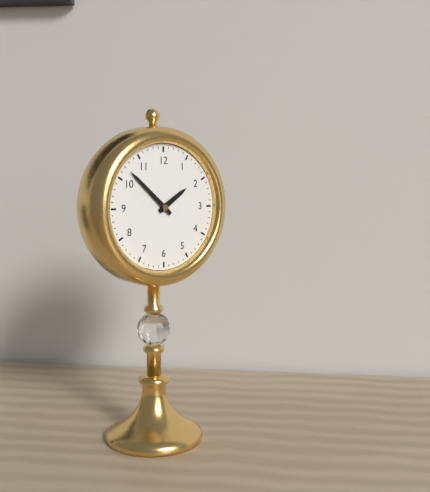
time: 1:52
